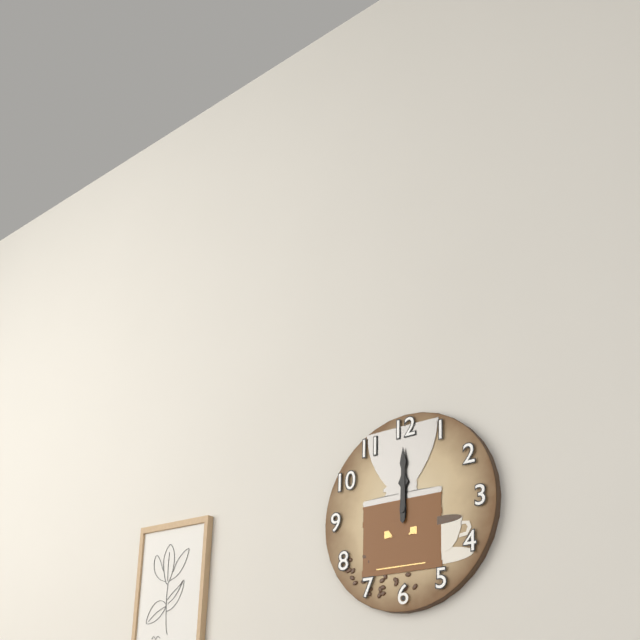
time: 12:00
